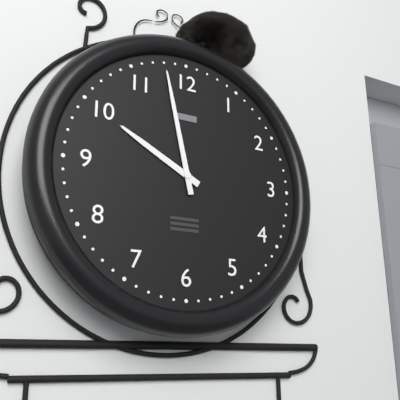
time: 9:58
